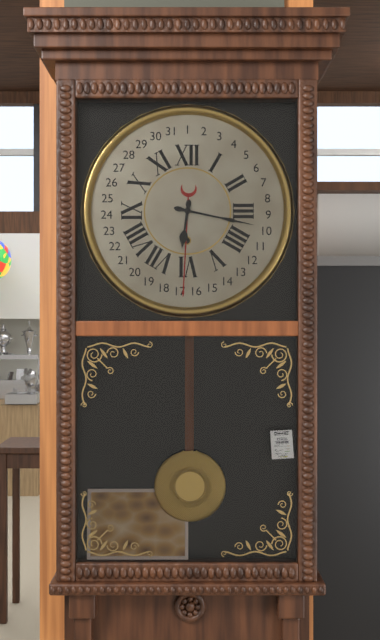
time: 6:17
